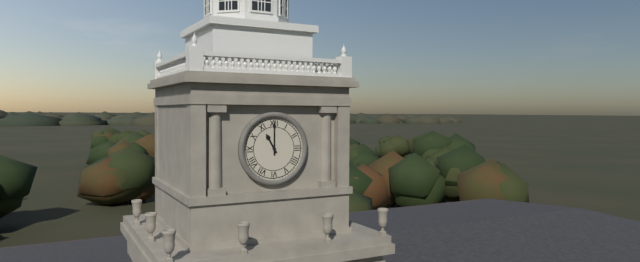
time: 11:00
